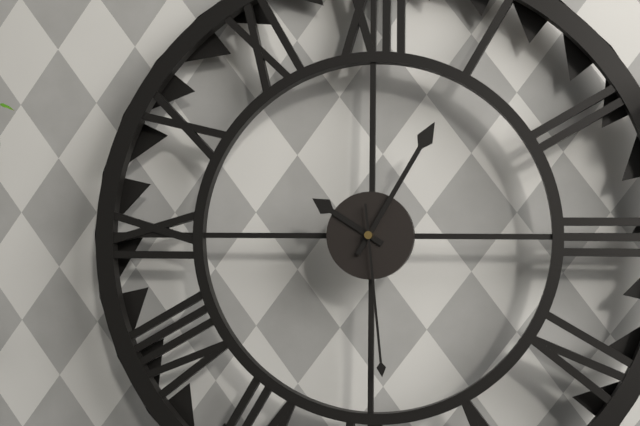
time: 10:05:29
